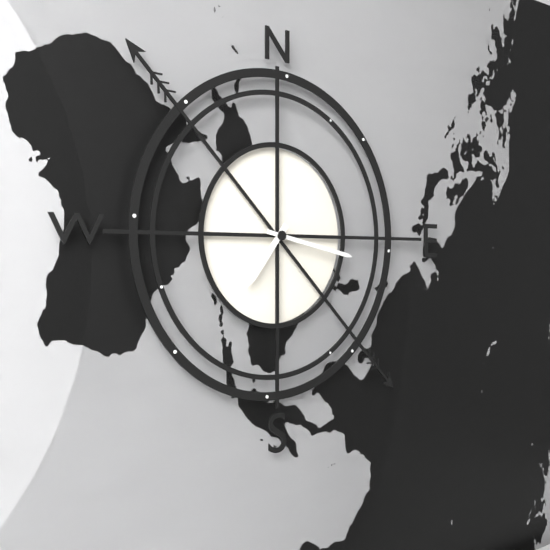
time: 7:17
